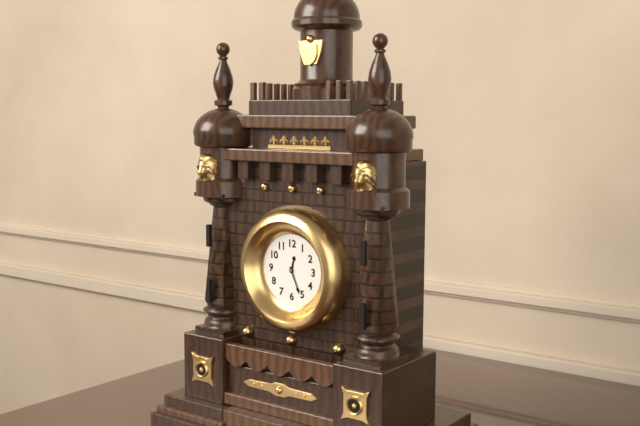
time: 12:26
